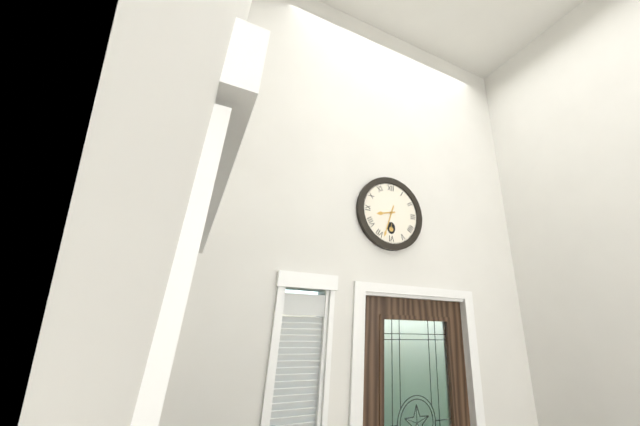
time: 8:33
